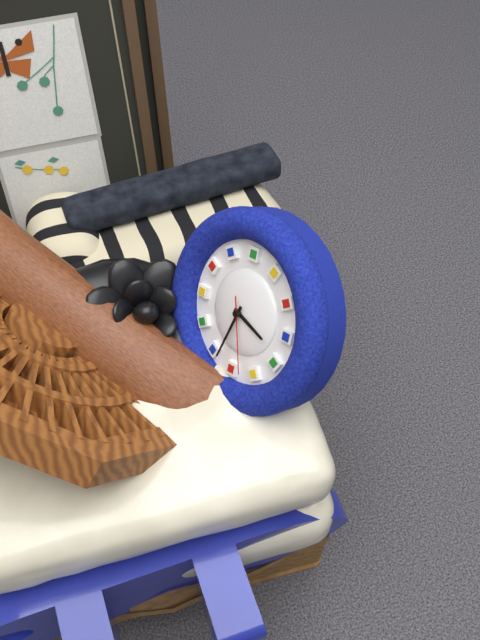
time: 4:38:32
